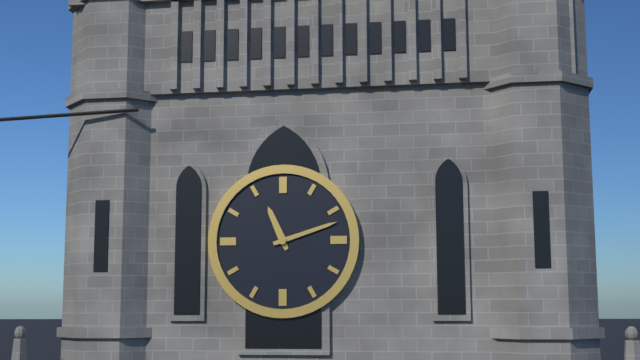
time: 11:12
